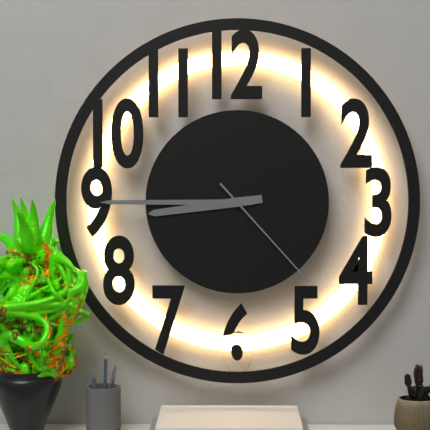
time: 8:45:23
